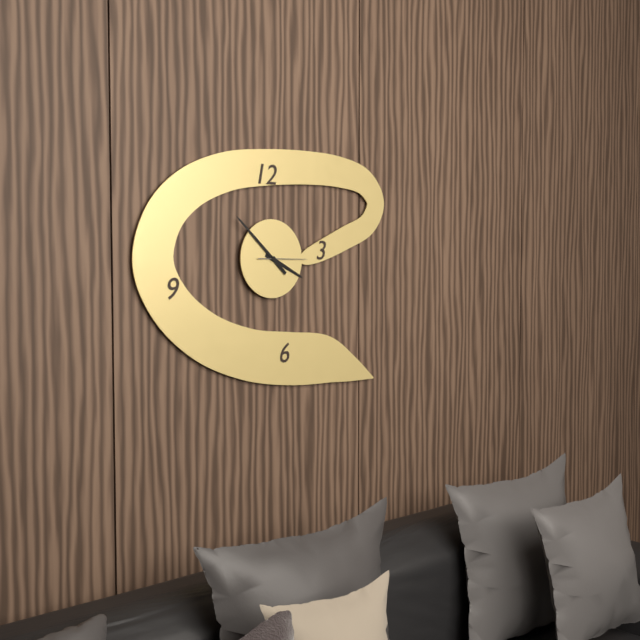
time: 3:52
